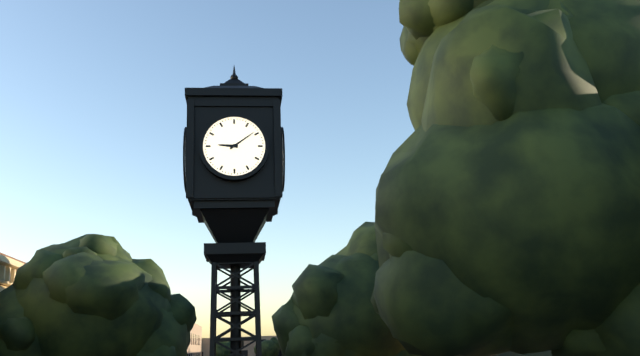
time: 9:09
